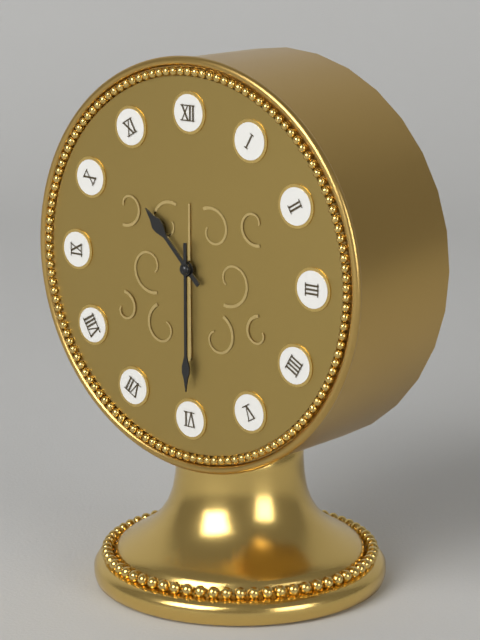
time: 10:30
